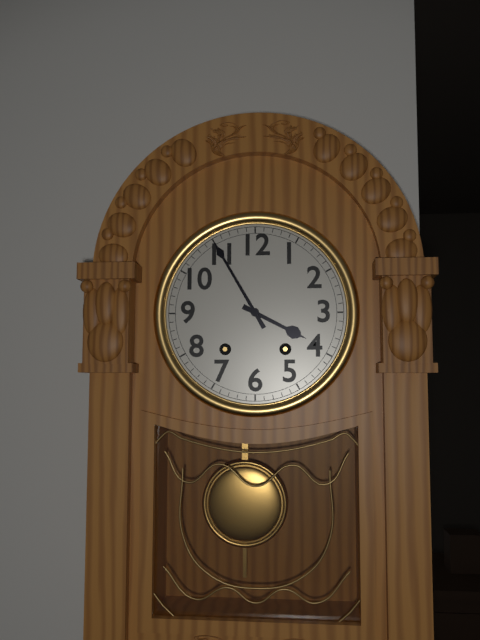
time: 3:55
